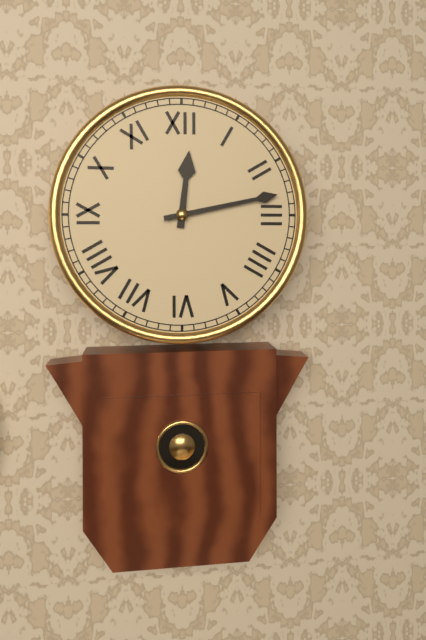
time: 12:13
